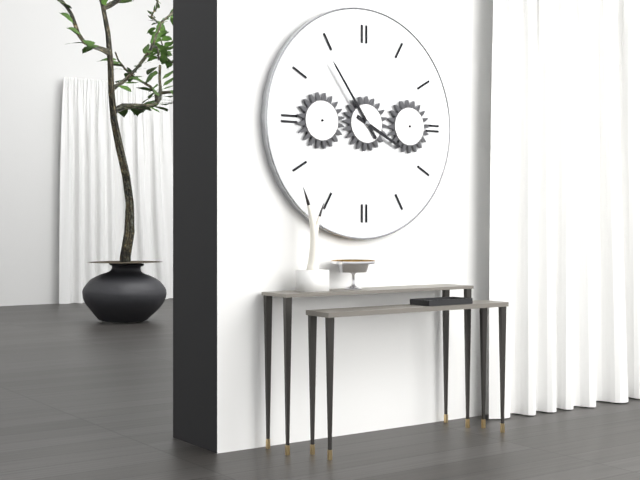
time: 3:54
